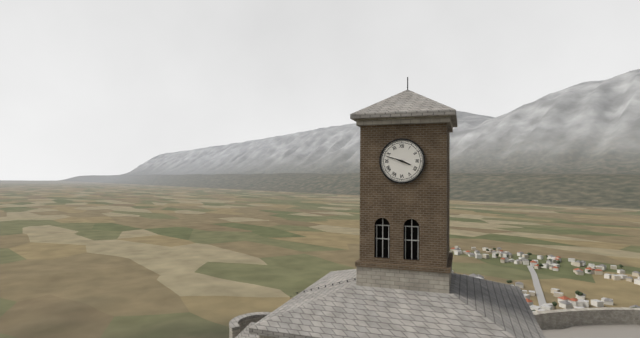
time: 3:48
